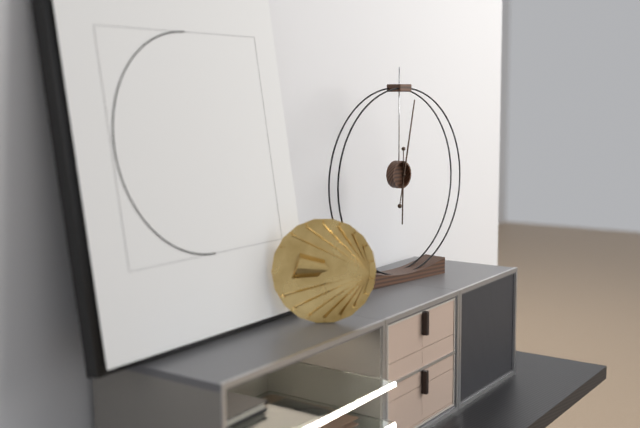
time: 6:02
